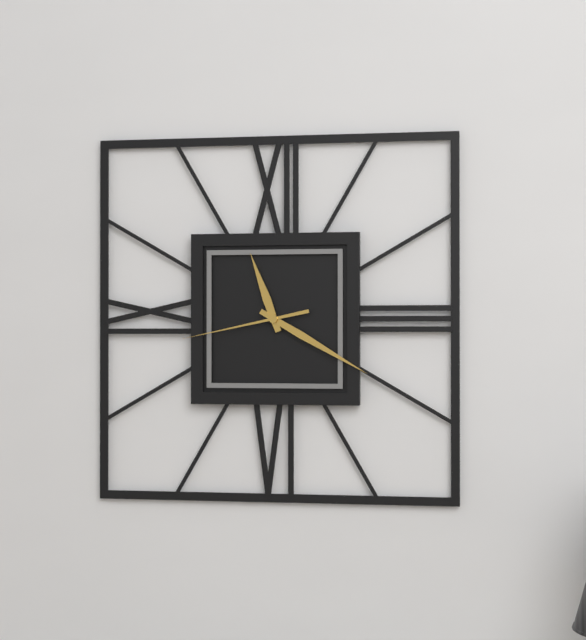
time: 11:20:43
